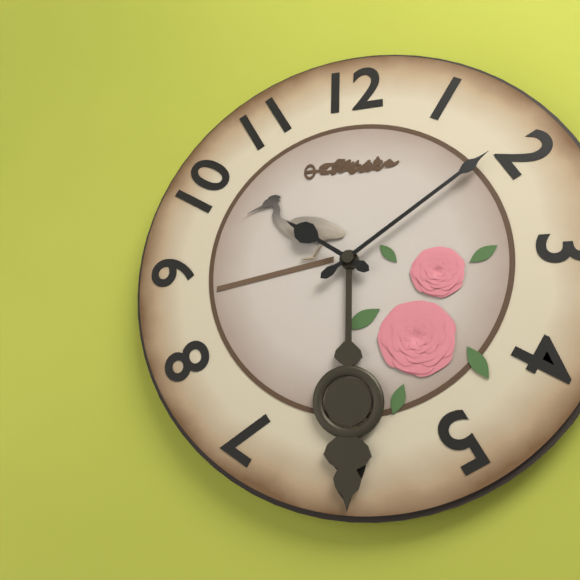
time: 10:09
